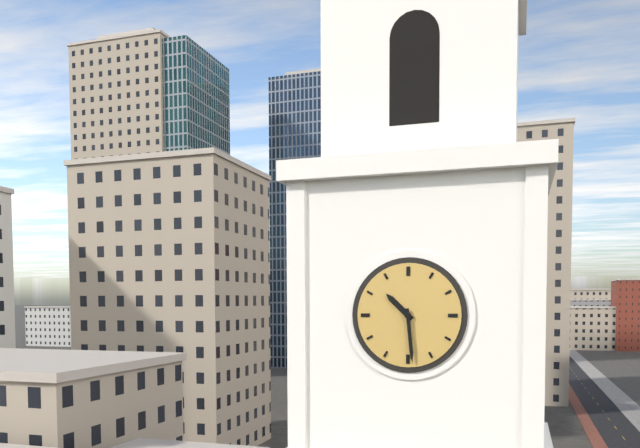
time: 10:29
